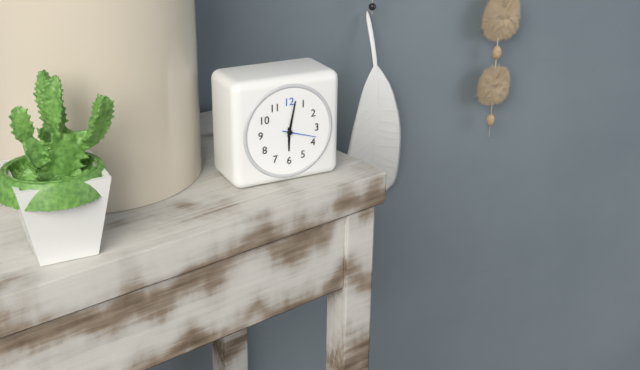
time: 6:02
